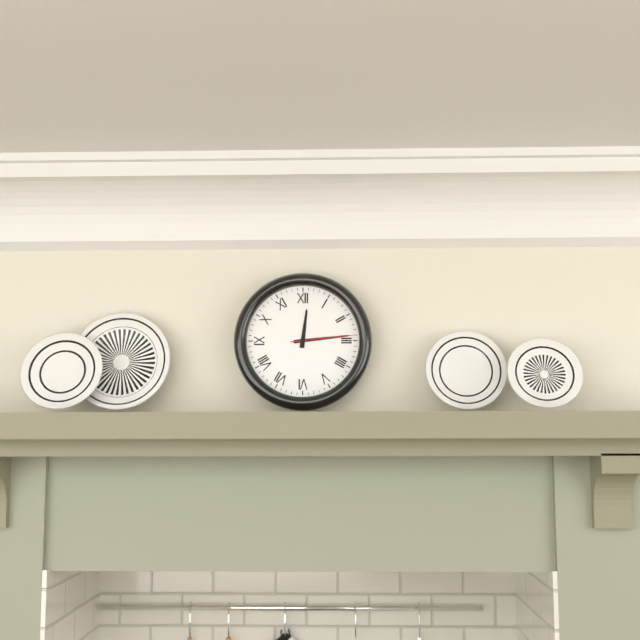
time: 12:14:14
